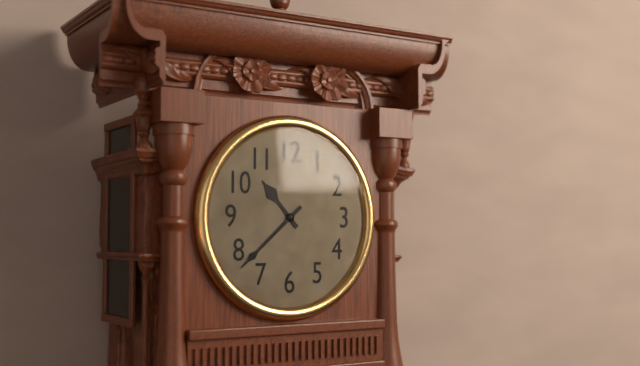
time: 10:38
